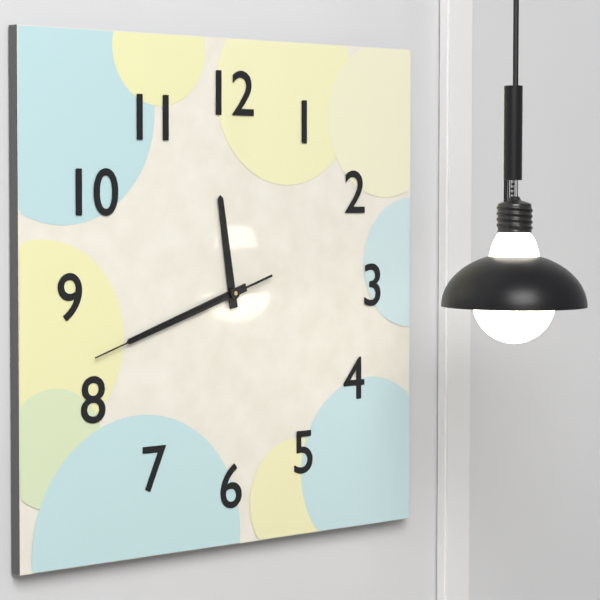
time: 11:42:42
